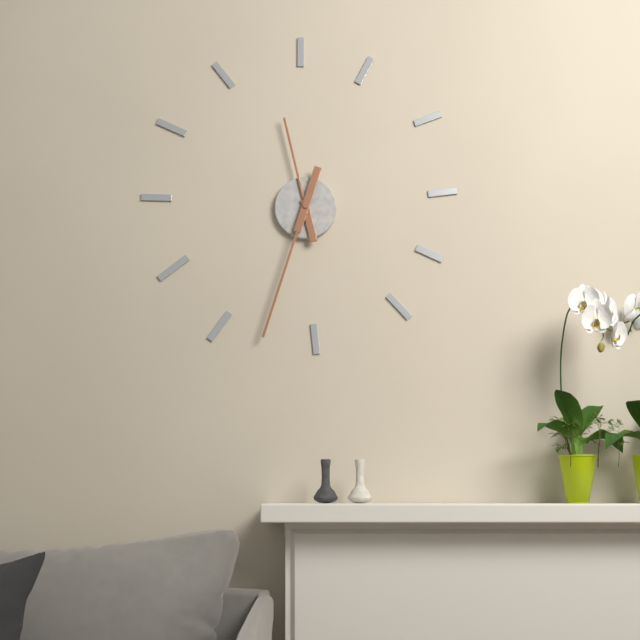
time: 11:33
